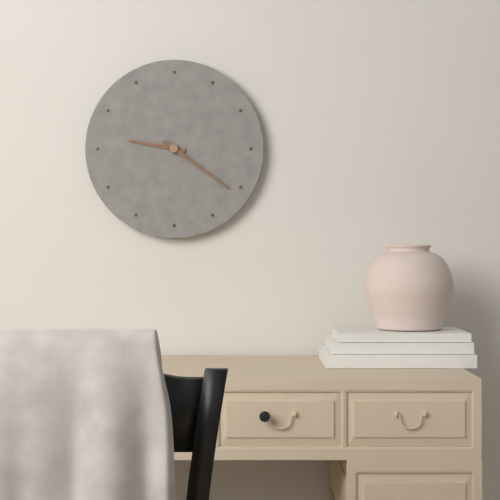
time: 9:21
